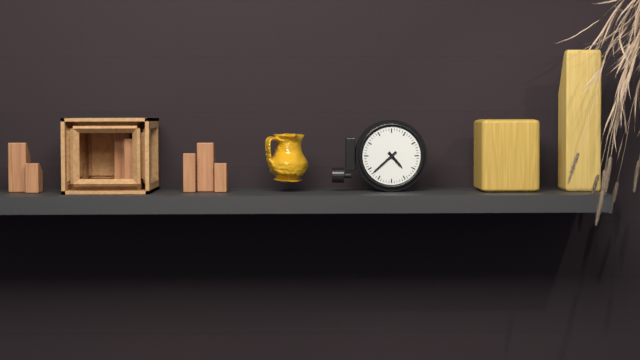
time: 4:38
